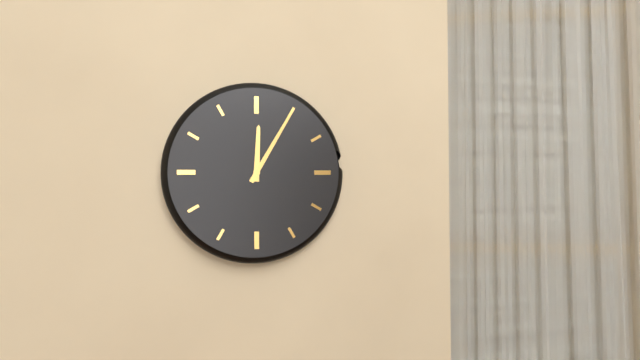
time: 12:05
